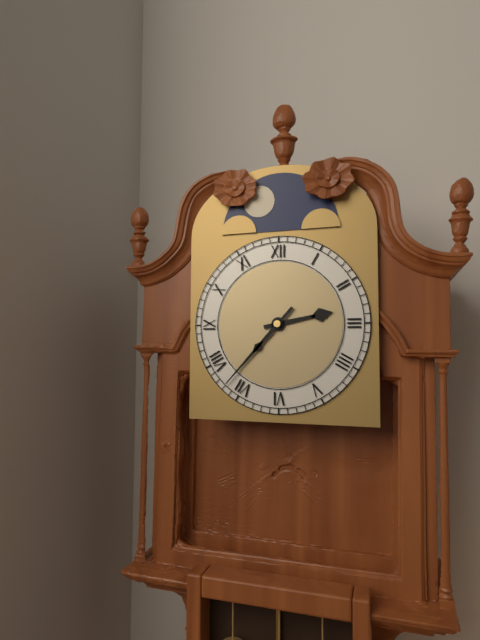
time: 2:37
